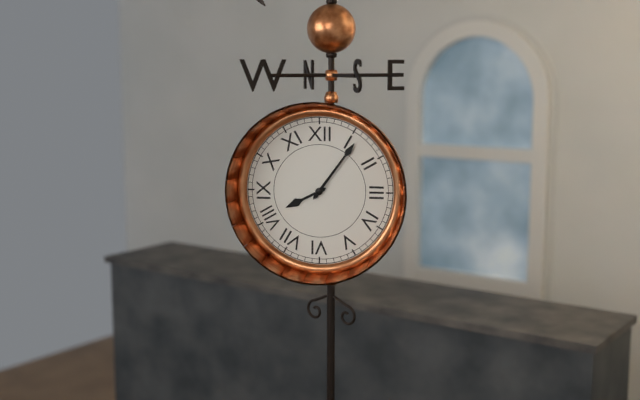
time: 8:06
